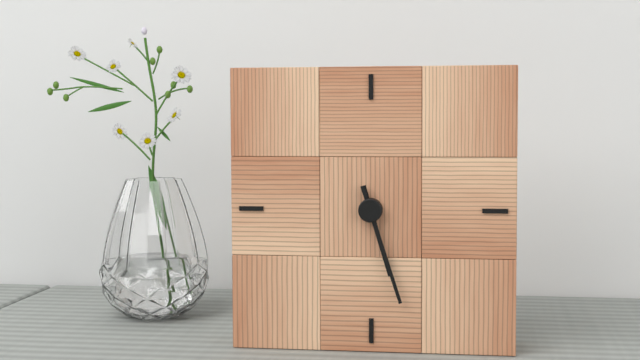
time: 5:27
